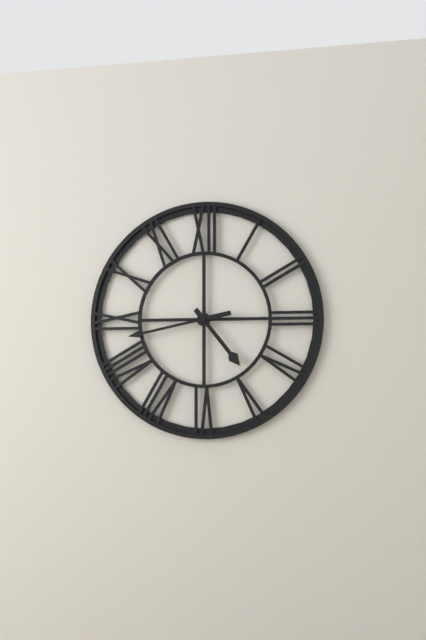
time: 4:43
